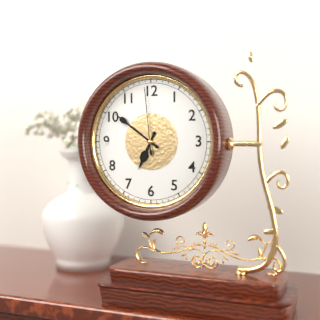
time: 6:51:59
